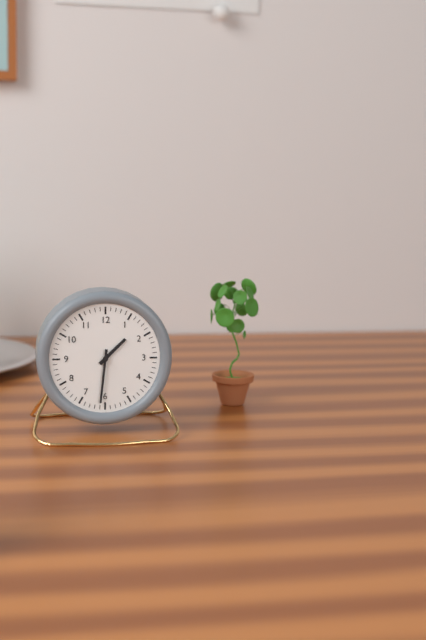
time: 1:31
